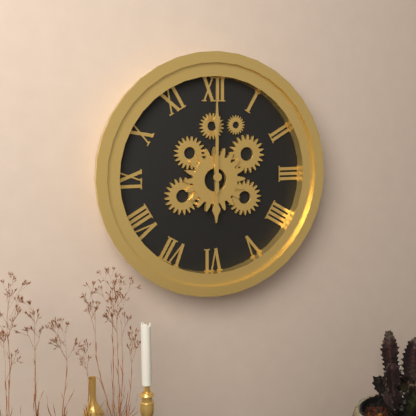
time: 6:00
